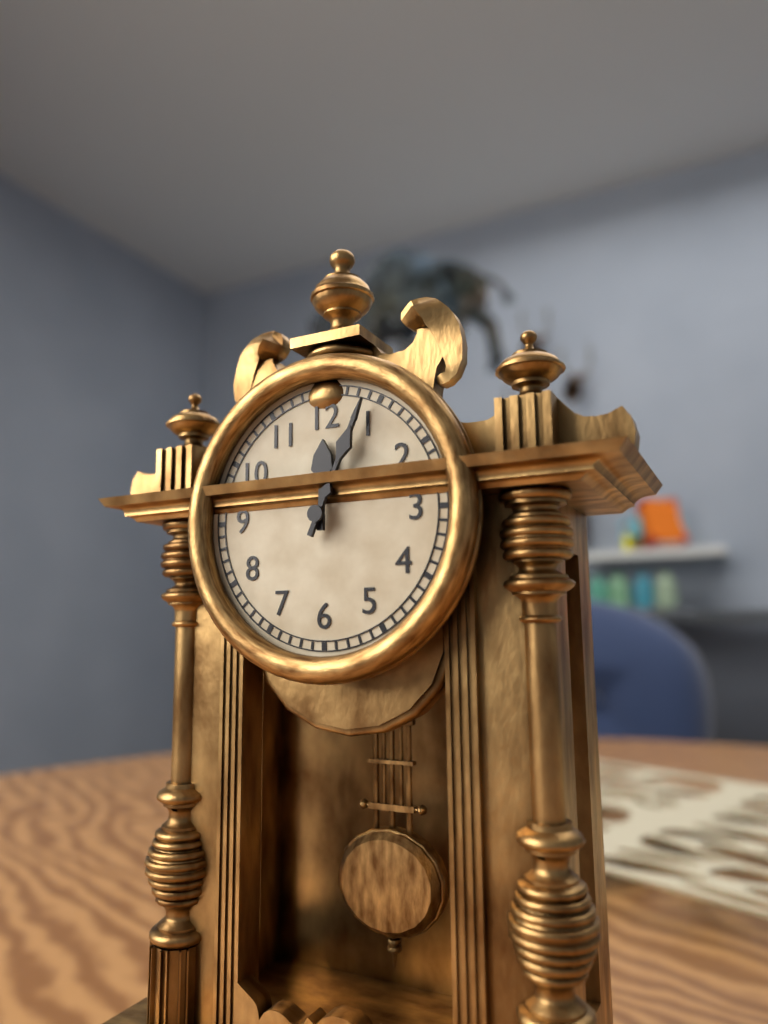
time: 12:04
